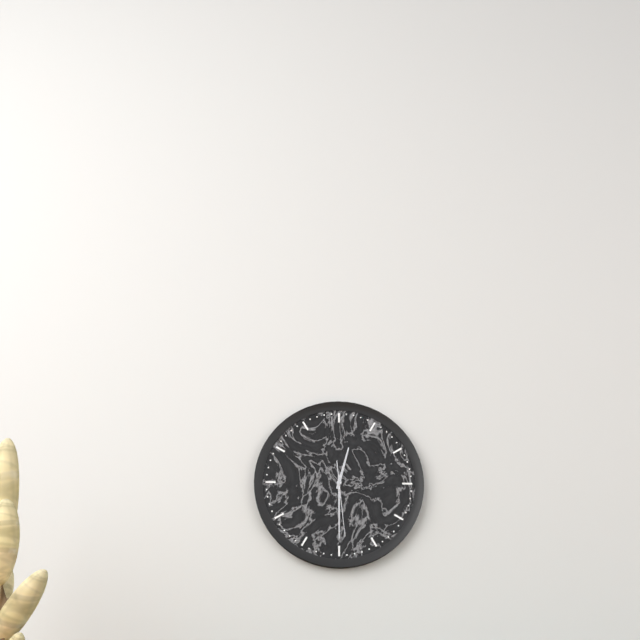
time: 12:30:29
